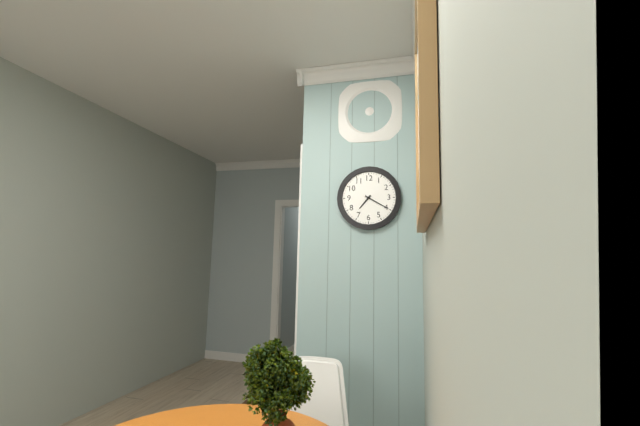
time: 7:20
